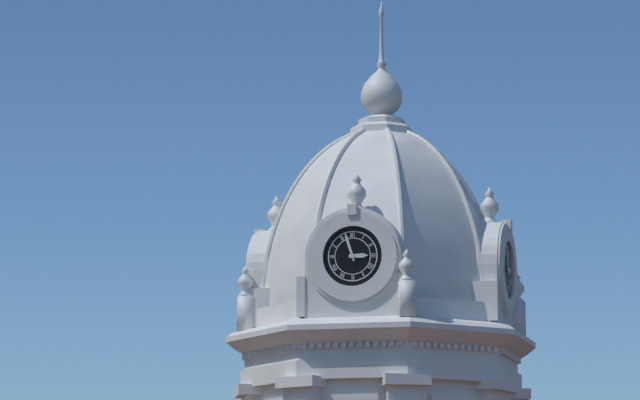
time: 2:57
